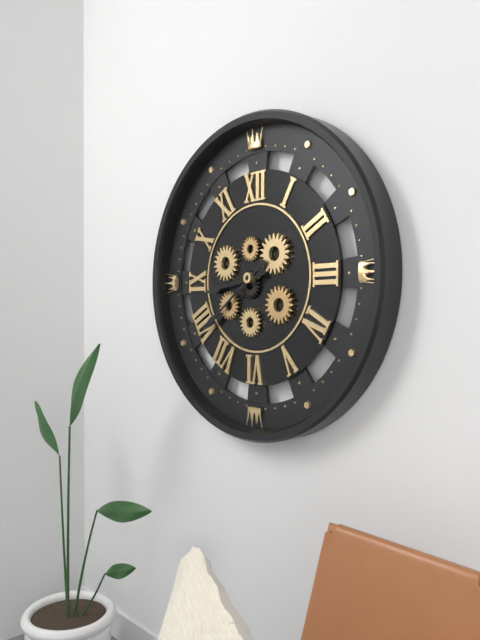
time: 8:39
